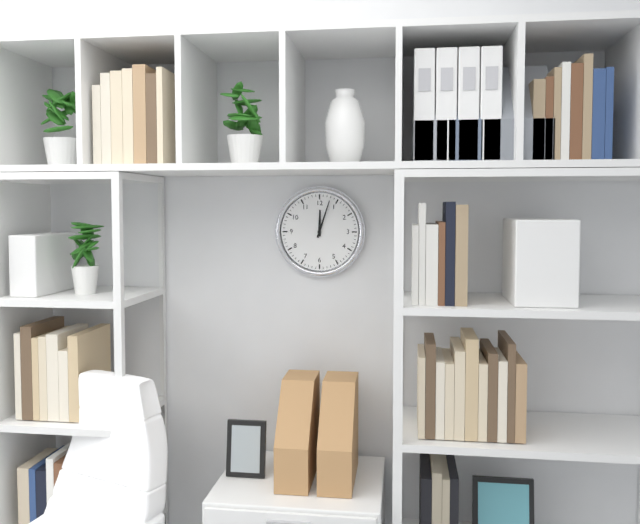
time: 12:03
